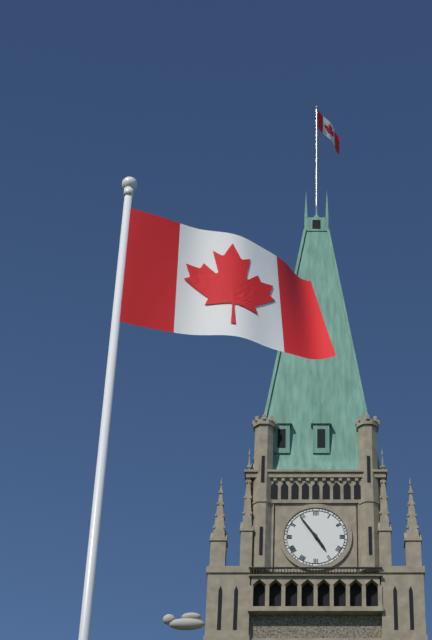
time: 4:54
